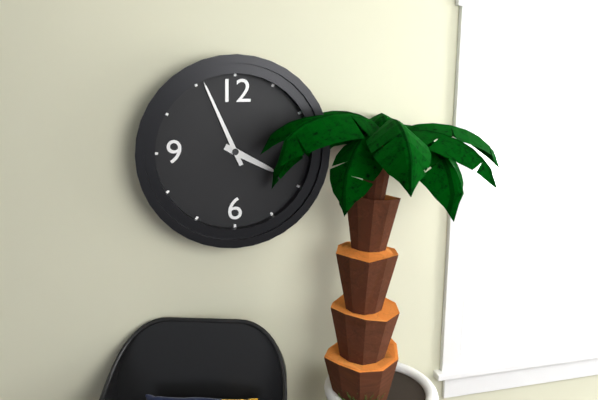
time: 3:56
